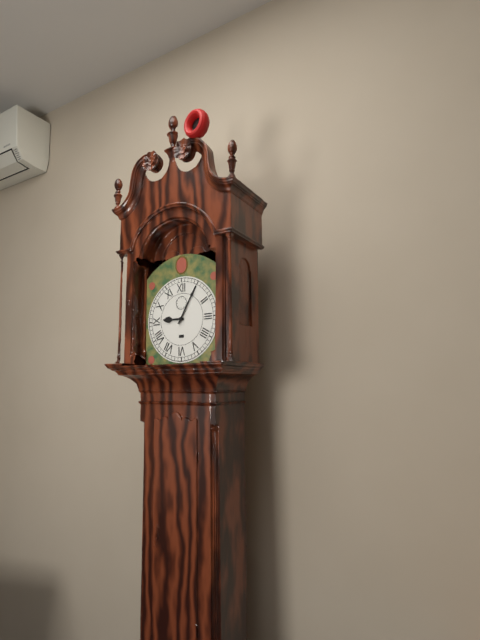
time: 9:05
